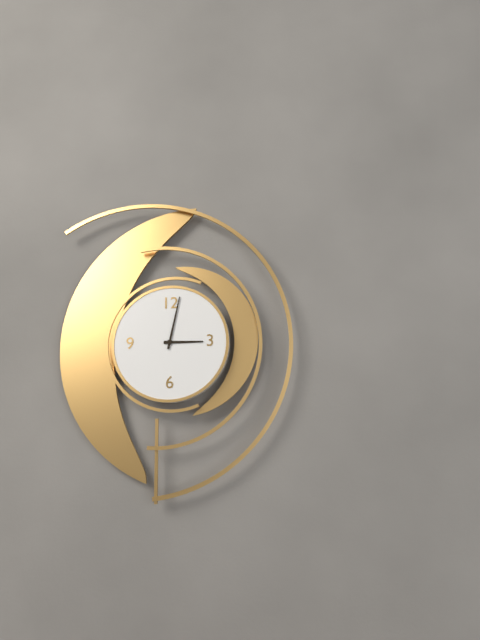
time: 3:02
